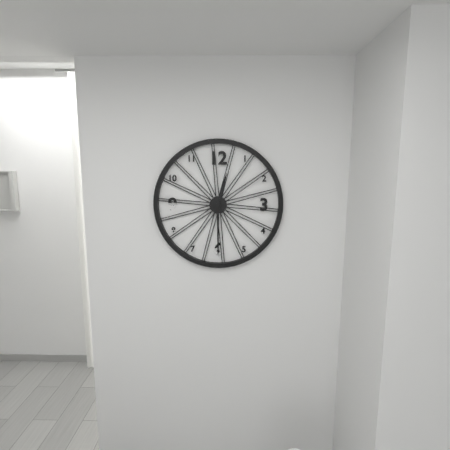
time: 12:30
